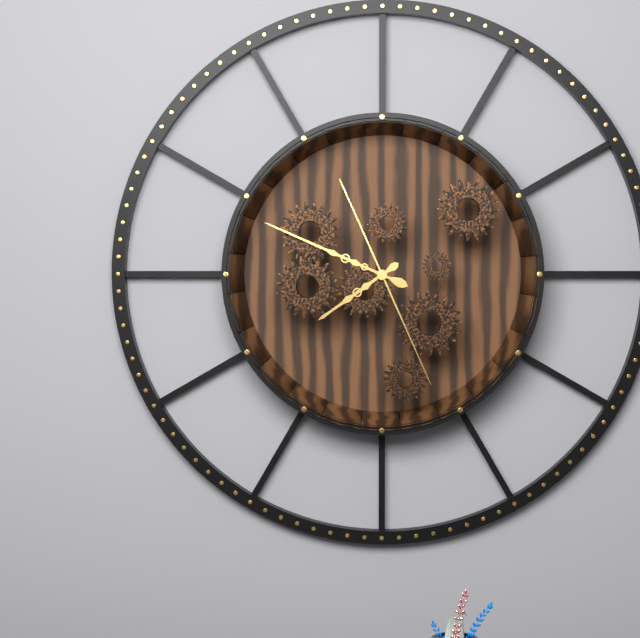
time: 7:49:26
